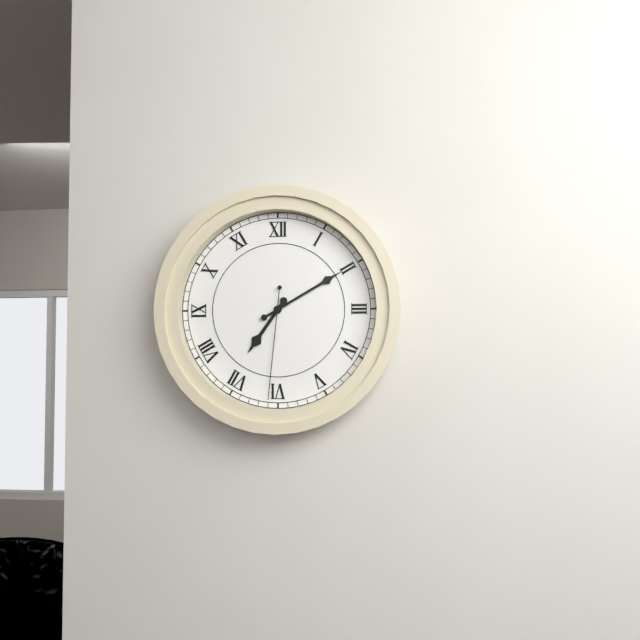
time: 7:10:31
